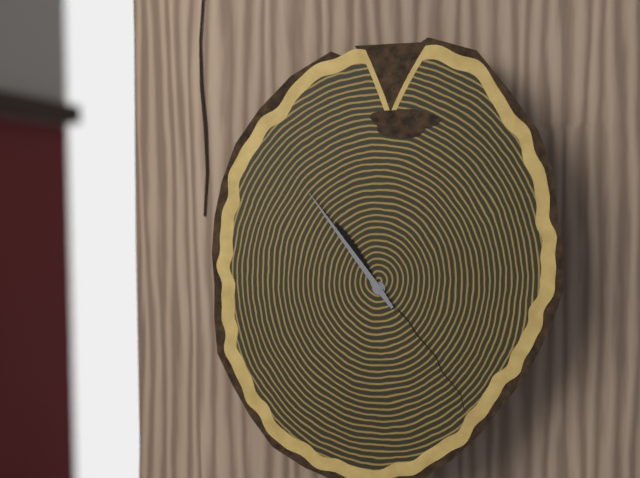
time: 10:54
